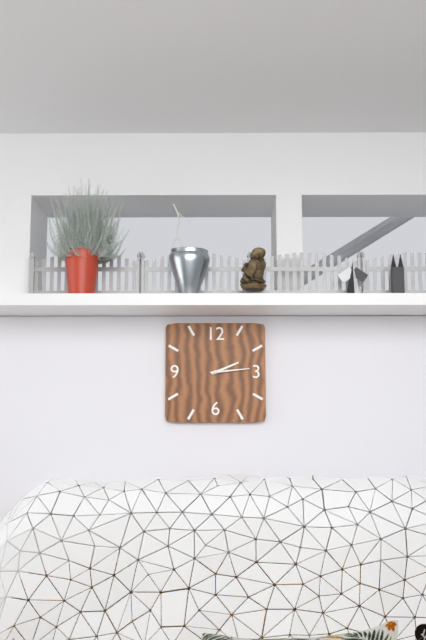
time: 2:14
